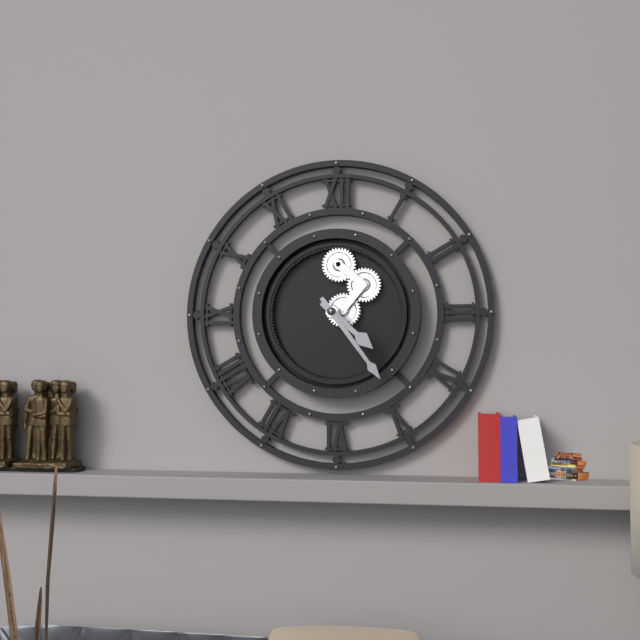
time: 4:24
